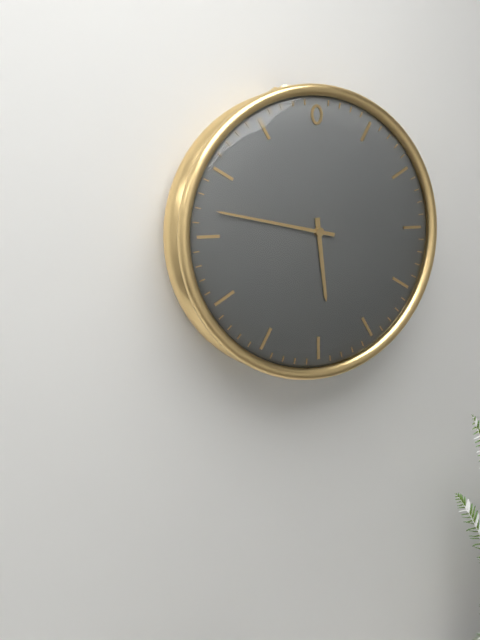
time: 5:47
